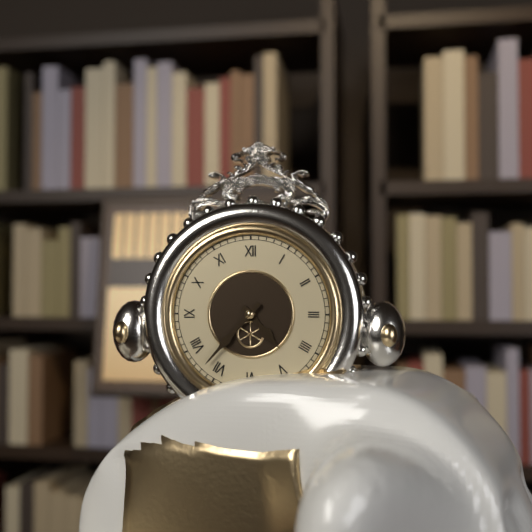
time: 4:37
